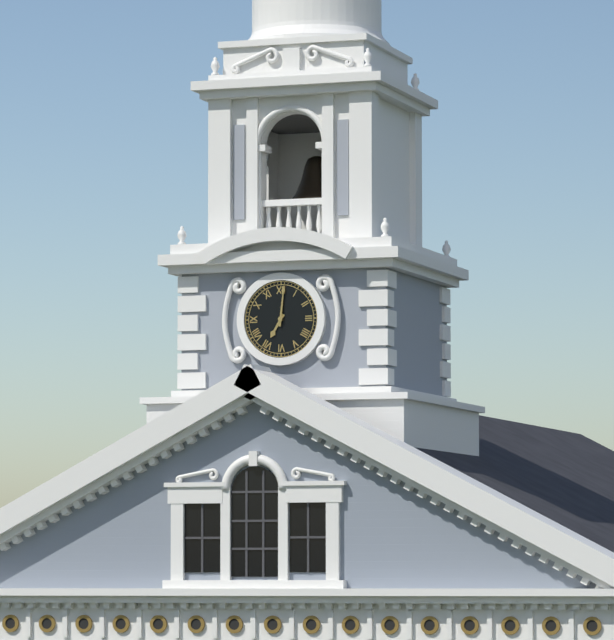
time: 7:01
